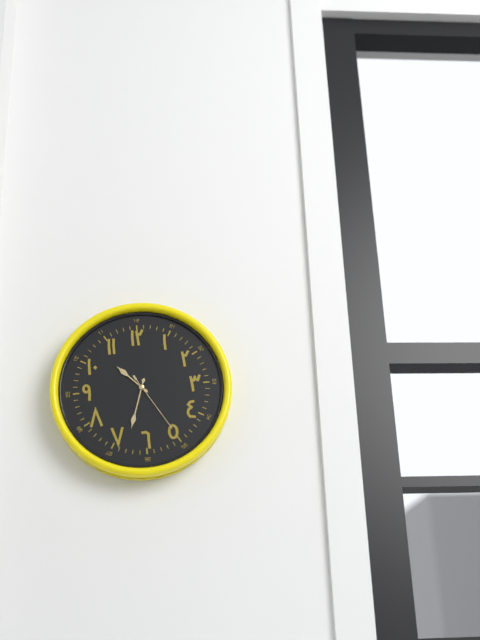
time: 10:33:25
